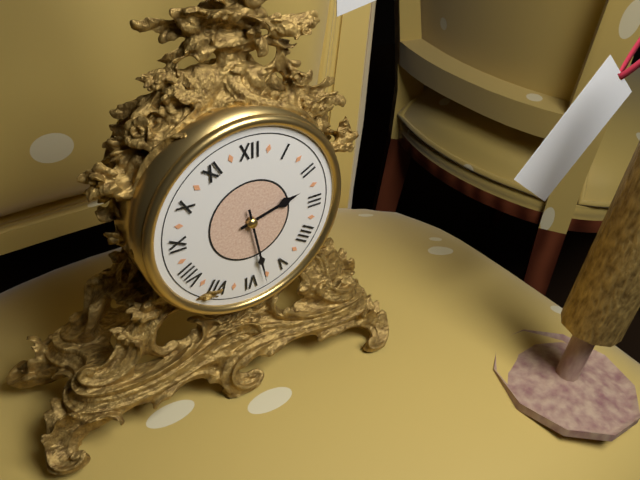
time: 2:28
